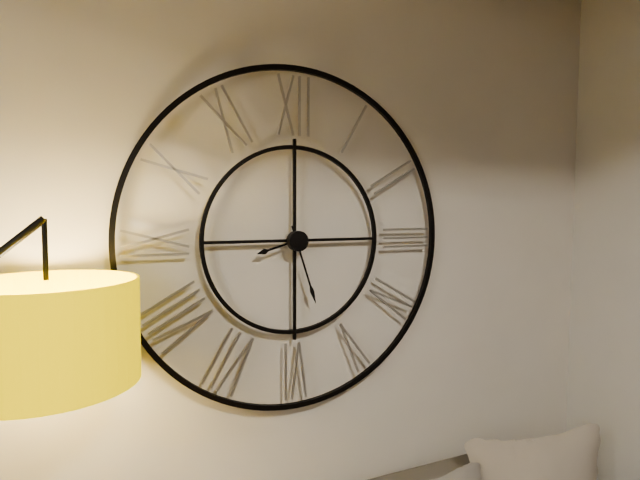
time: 8:27
